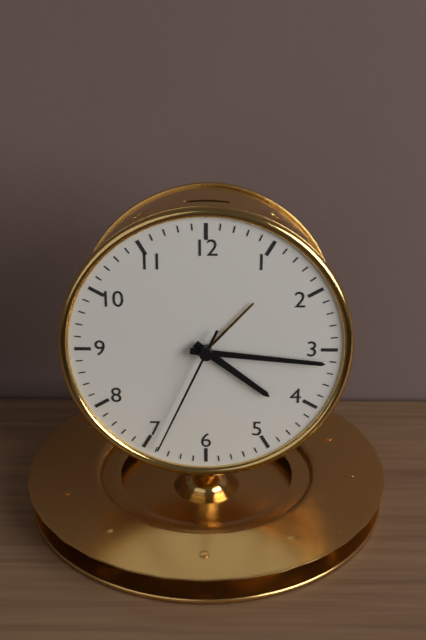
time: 4:16:34
